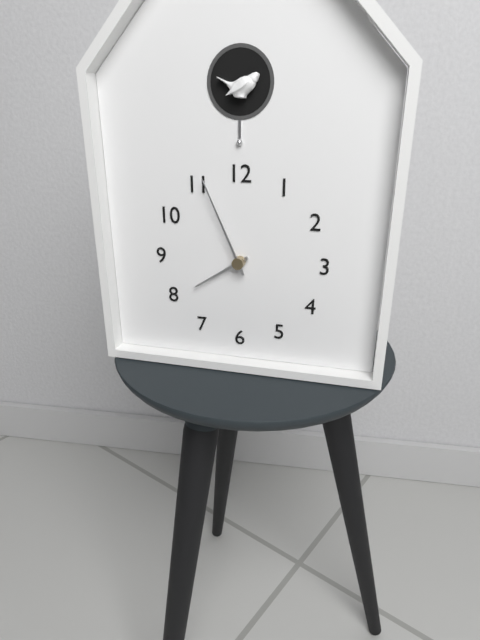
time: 7:56
